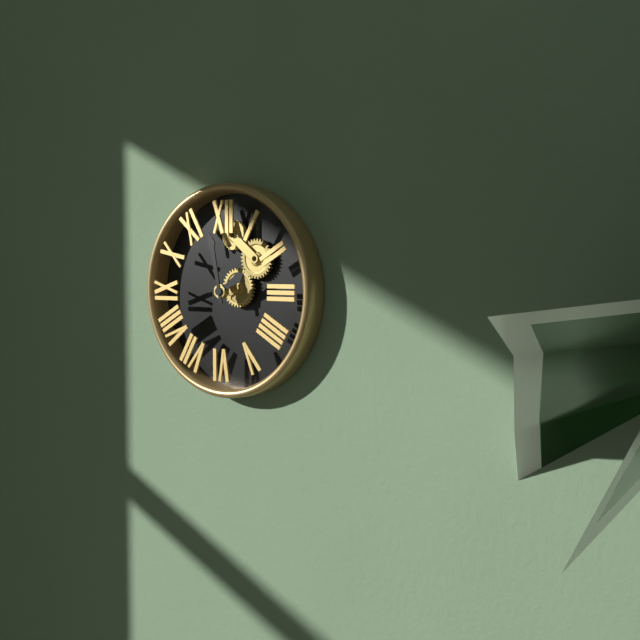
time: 1:58
